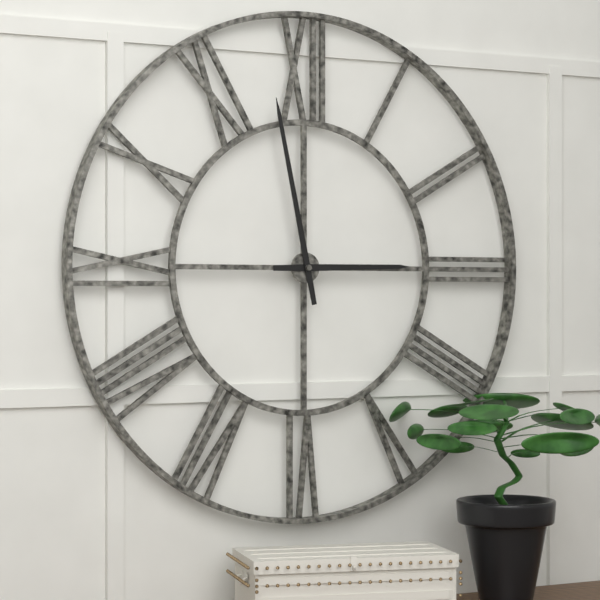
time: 2:58
